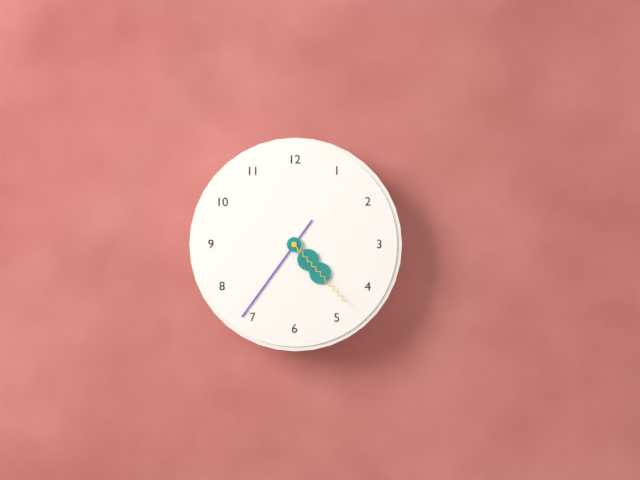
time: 4:36:23
